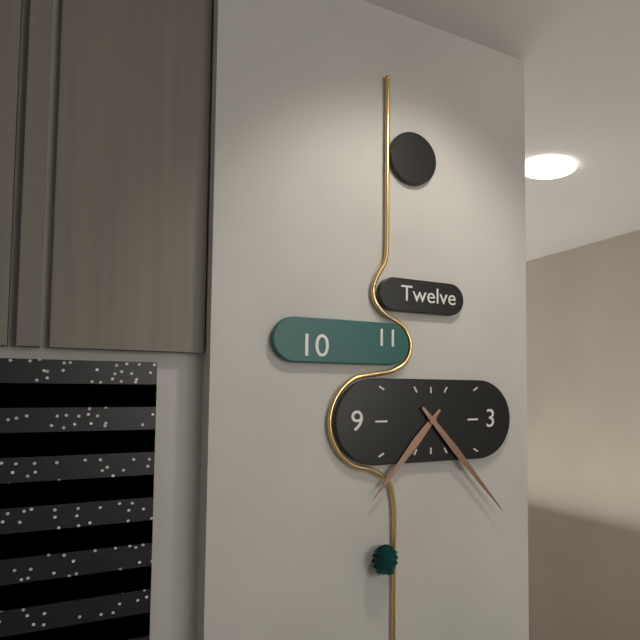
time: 7:23
